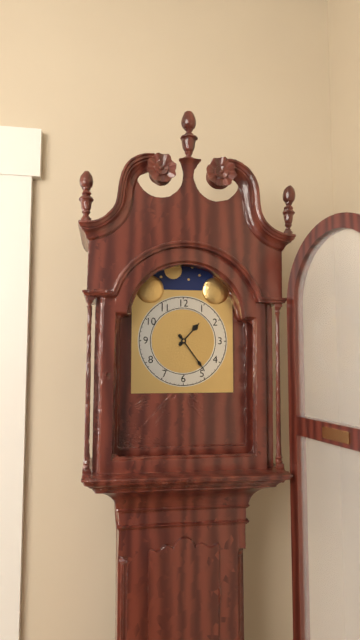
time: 1:24
